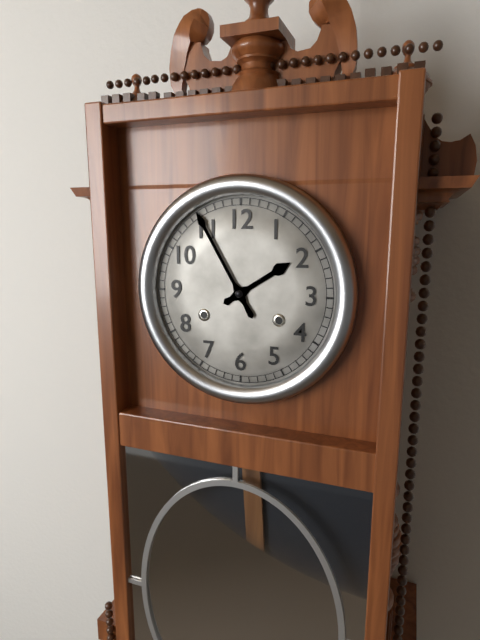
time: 1:55
